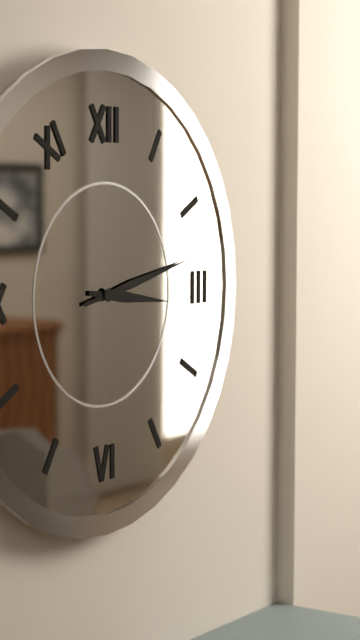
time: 3:13
